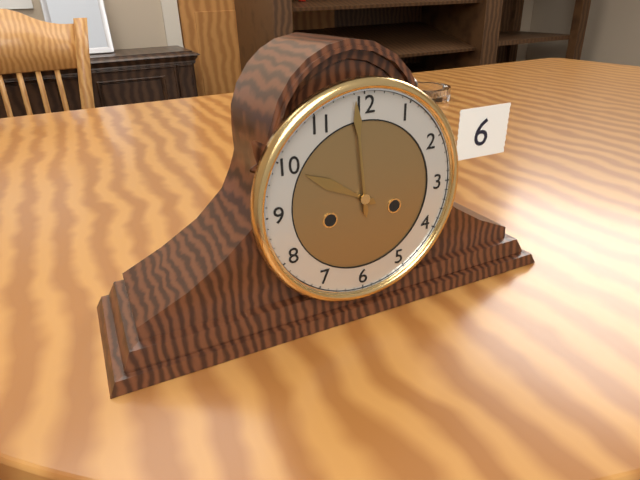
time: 9:59
